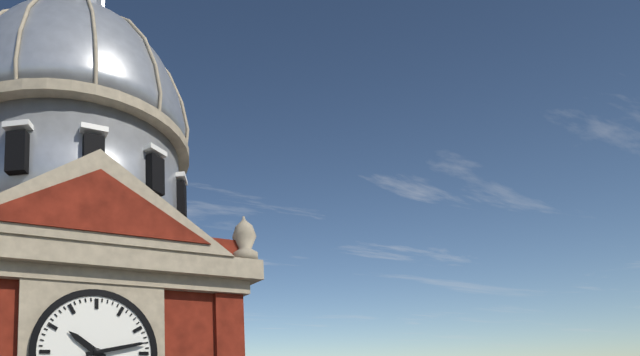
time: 10:13
